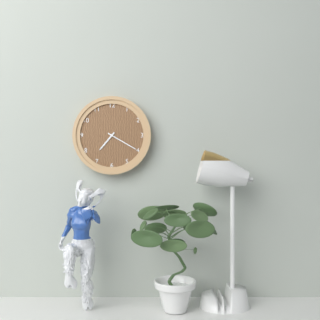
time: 7:20
